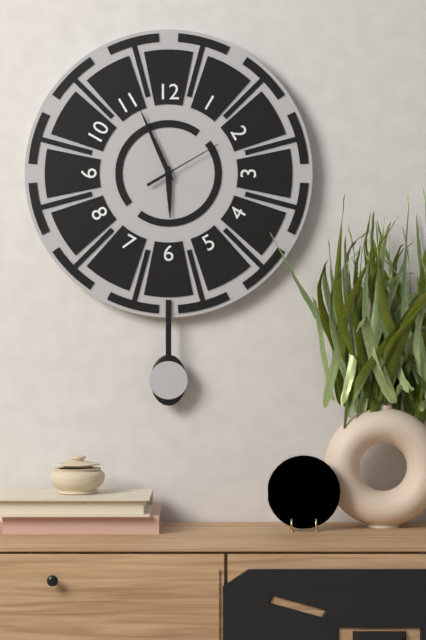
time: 5:56:10
